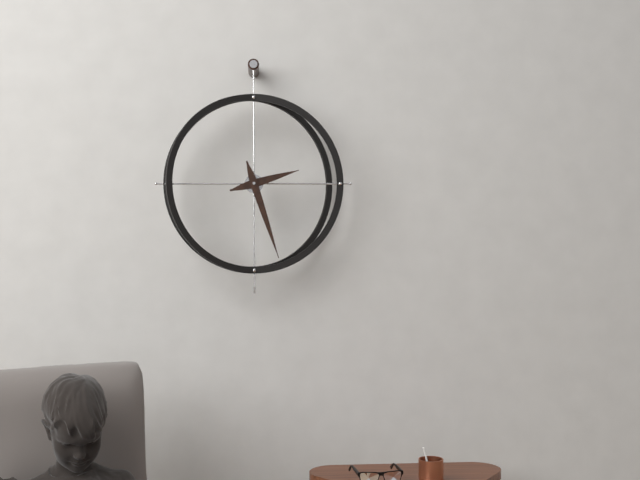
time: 2:27
